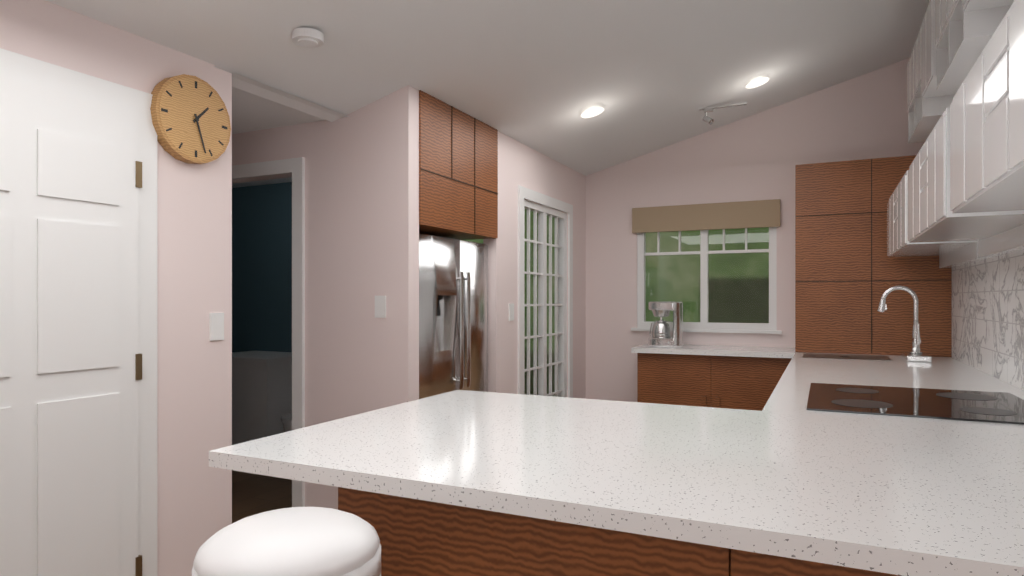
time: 1:27
